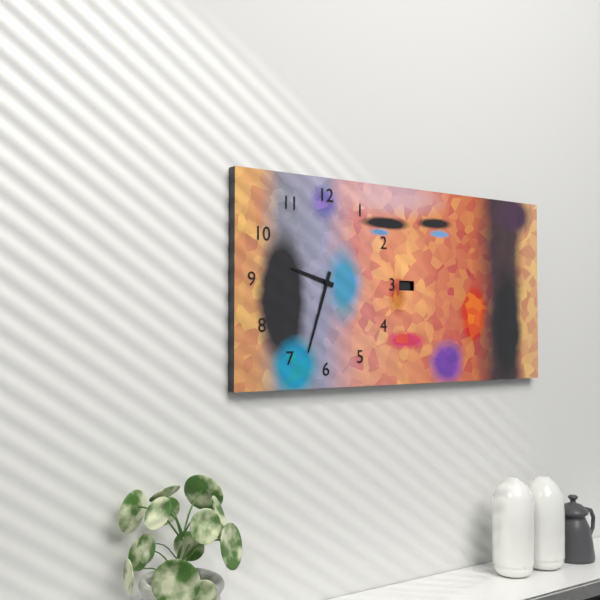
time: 9:33
